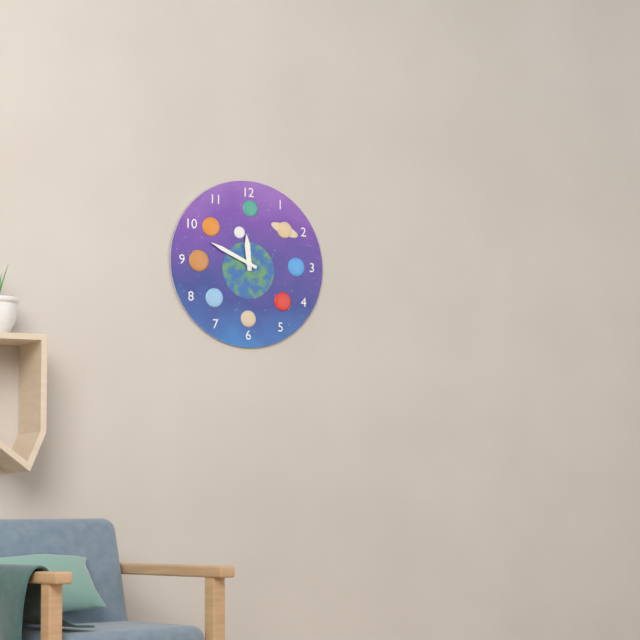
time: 11:49
